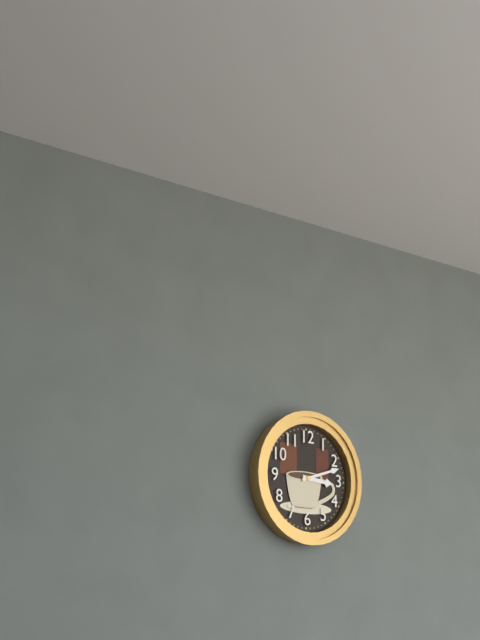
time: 3:12
